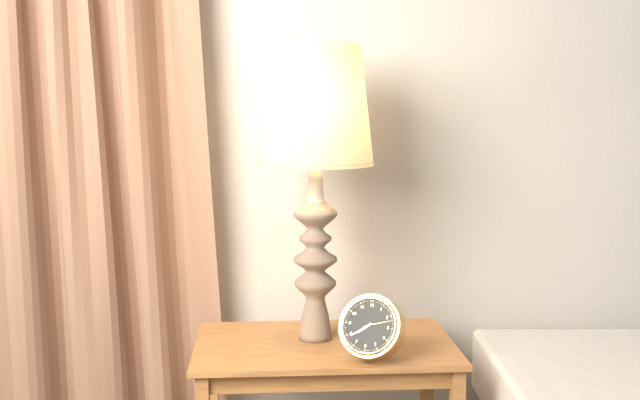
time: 7:39
